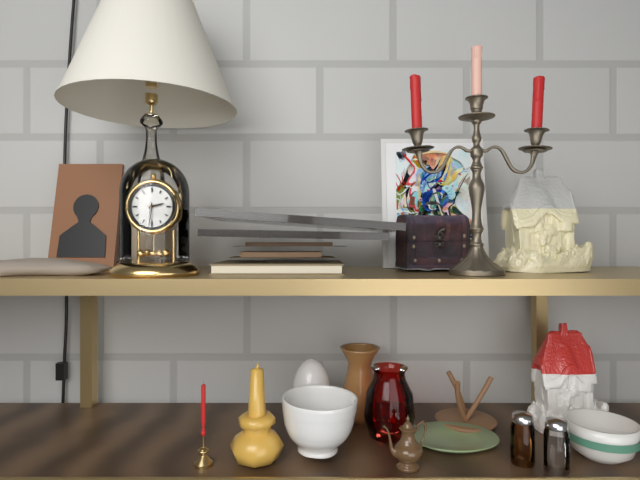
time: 2:31
